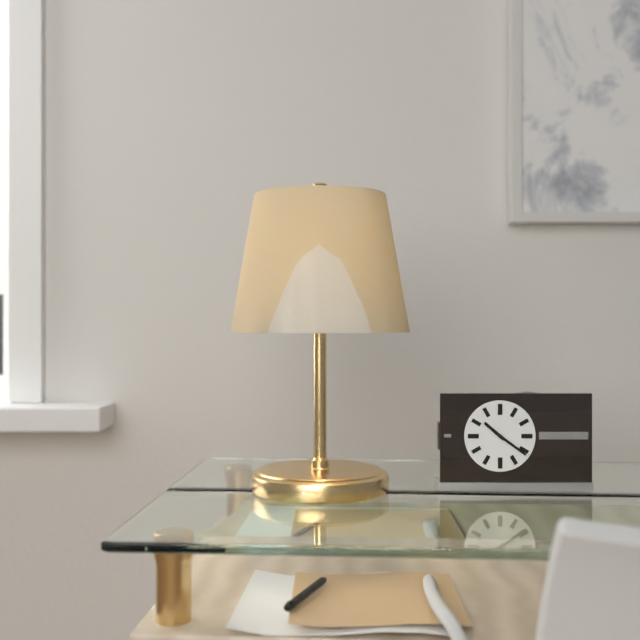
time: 10:21
